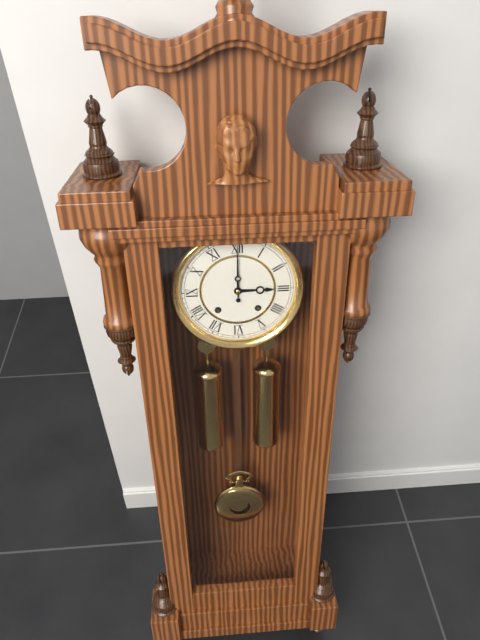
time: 3:00
